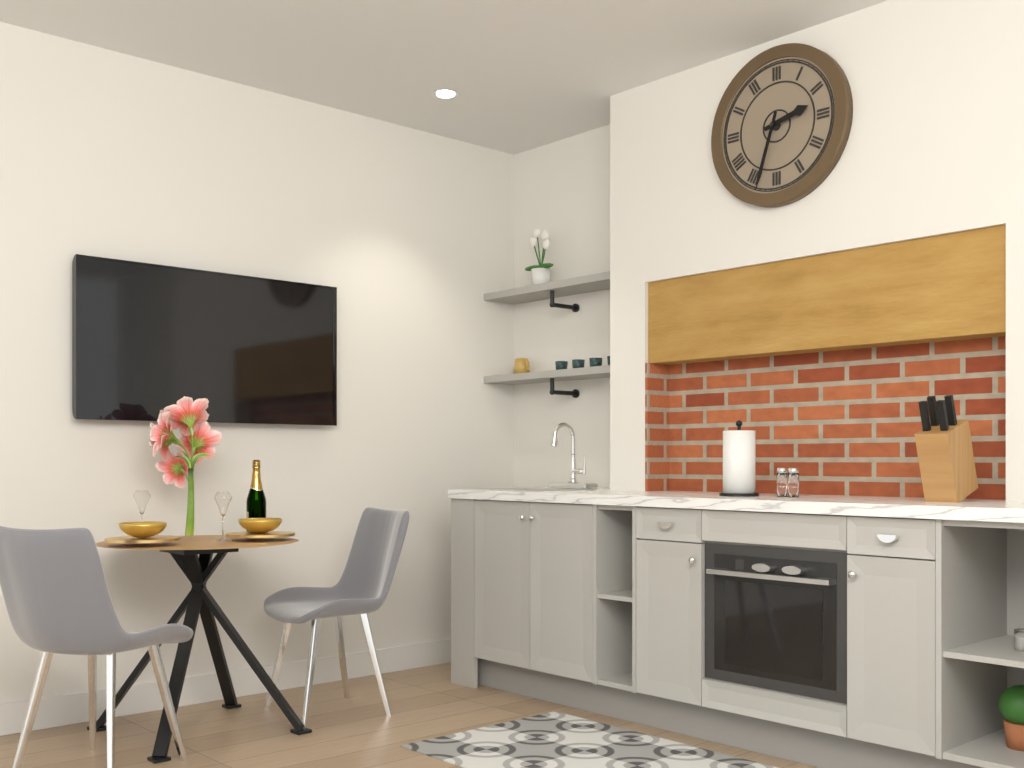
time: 2:33
